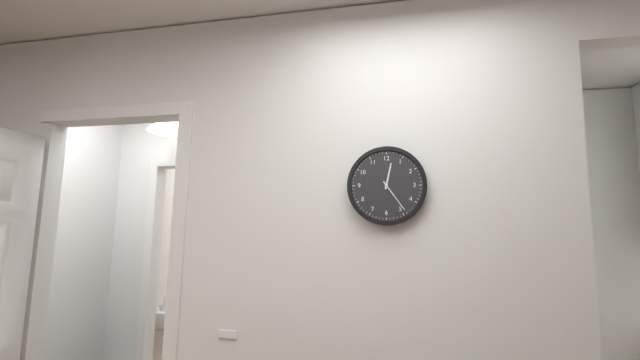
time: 12:24
